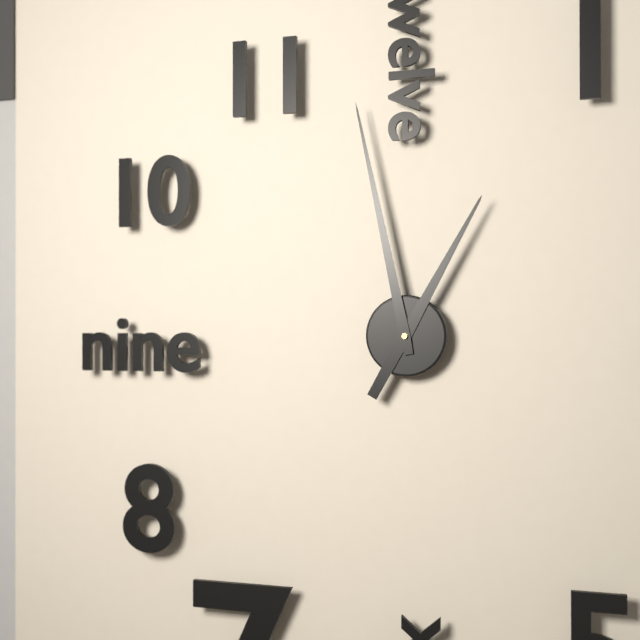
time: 12:58
